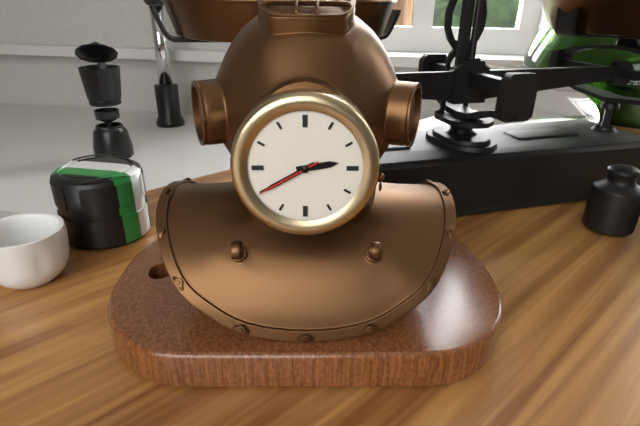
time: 2:40:40
